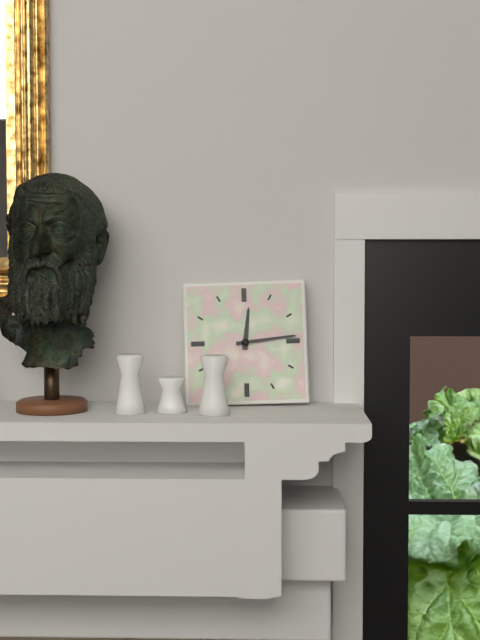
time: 12:14
